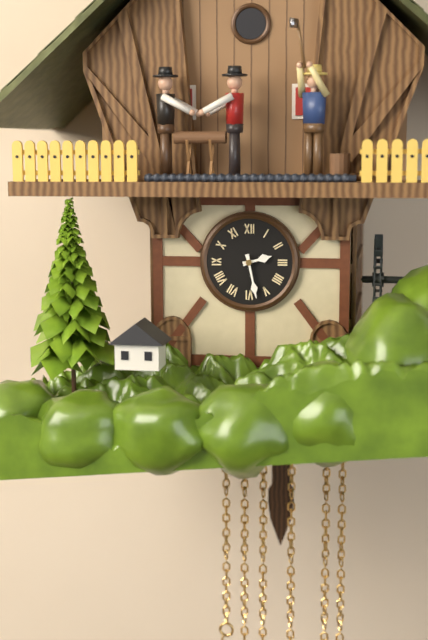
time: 2:28
